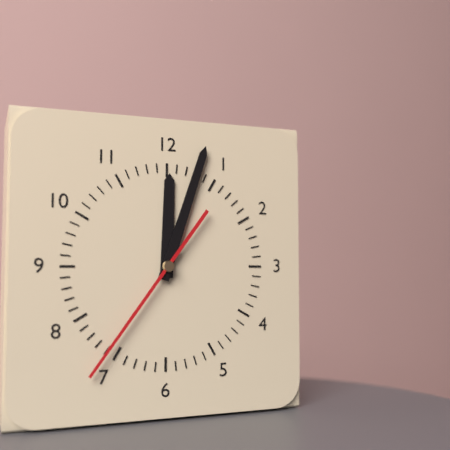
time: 12:03:36
